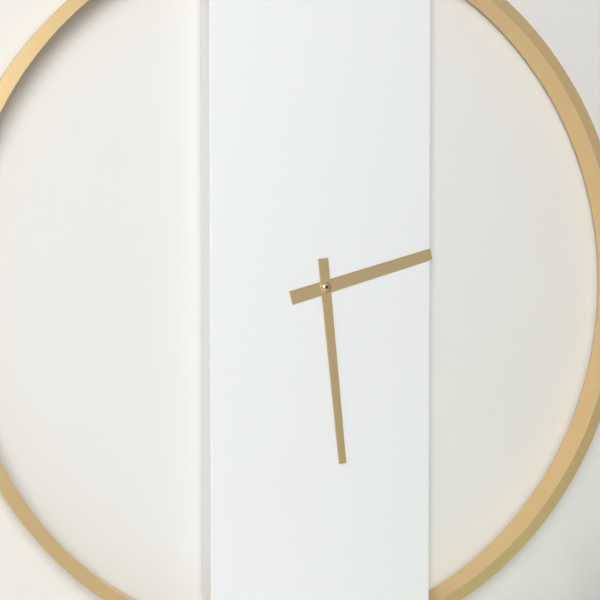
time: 2:29
